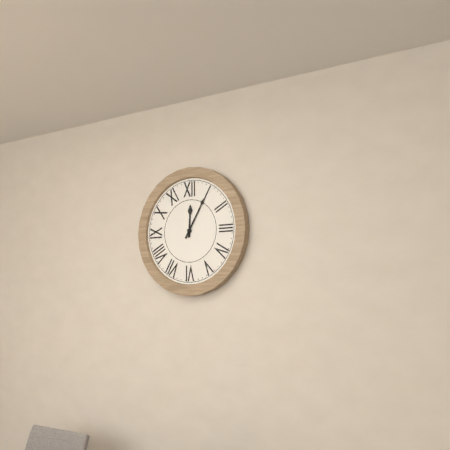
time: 12:05
